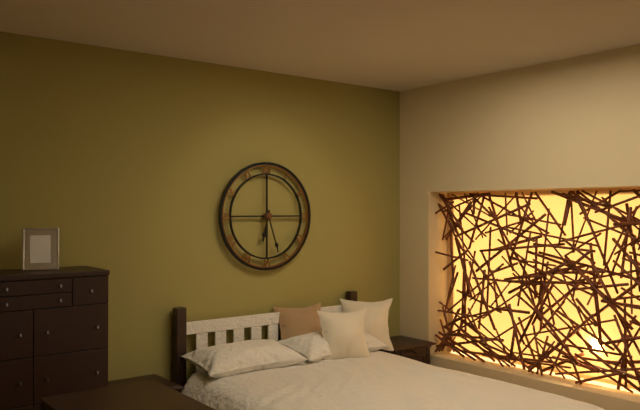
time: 6:27
